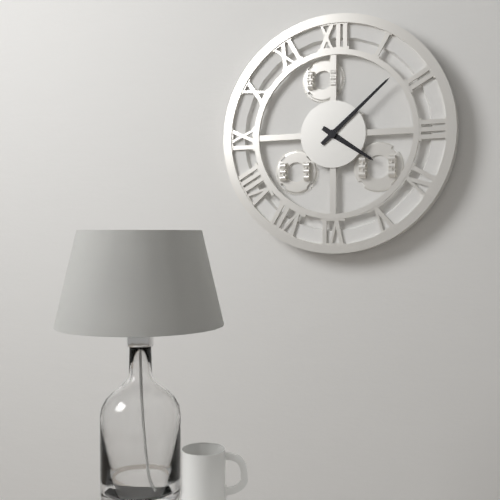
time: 4:08
